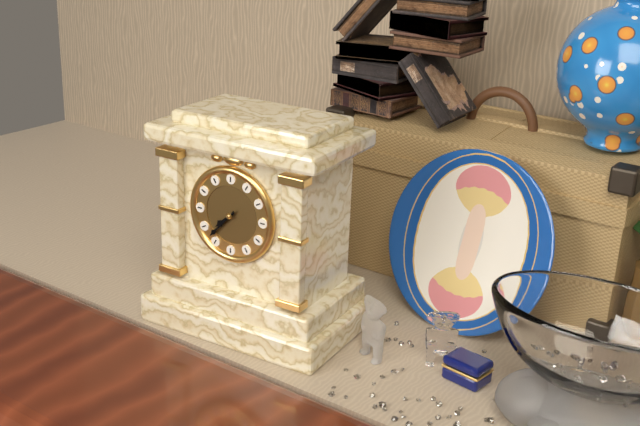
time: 7:37
